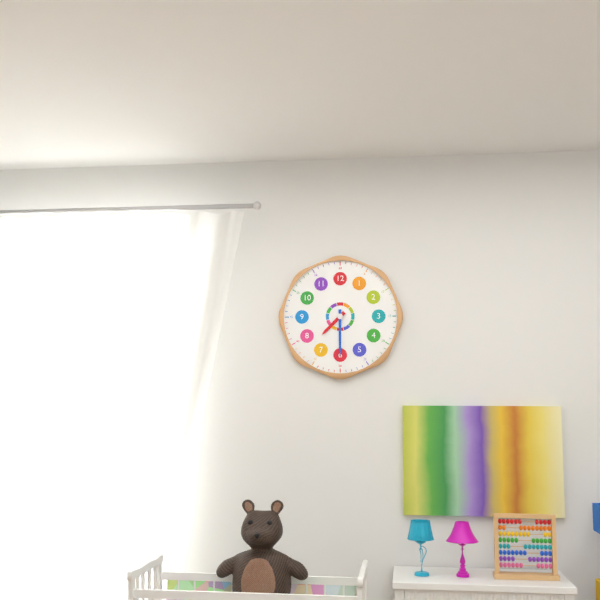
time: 7:30
